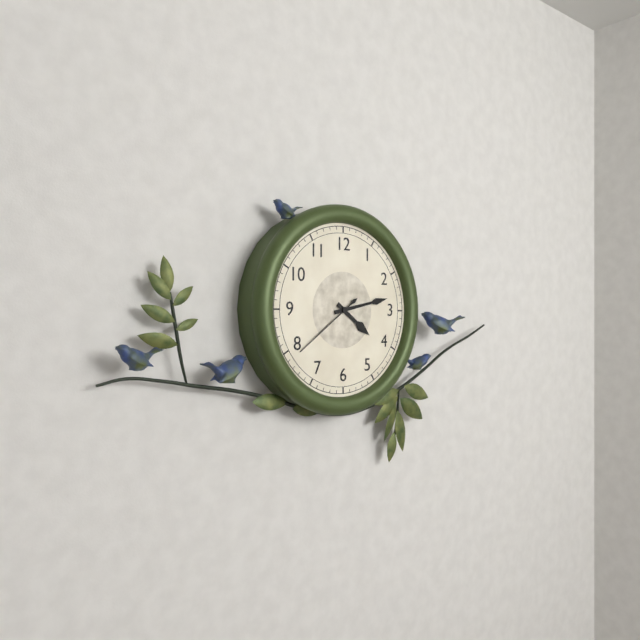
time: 4:13:39
